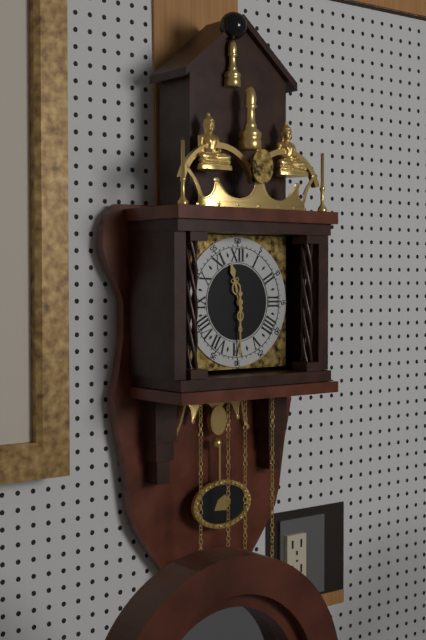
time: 11:30
